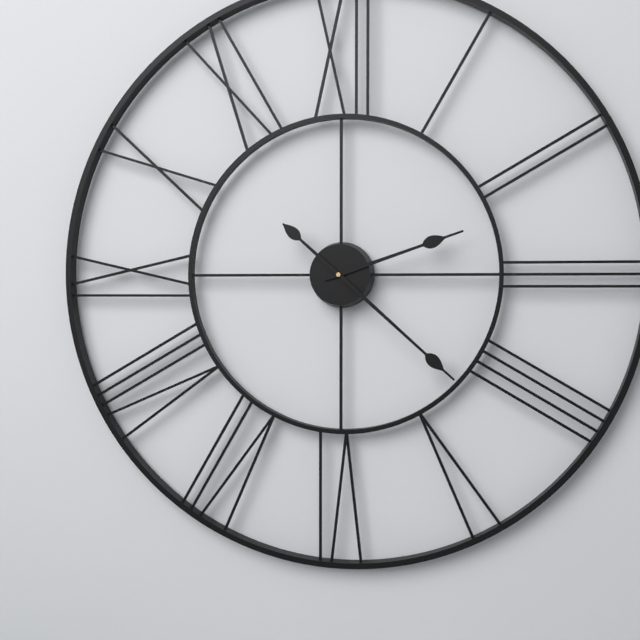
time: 2:22
